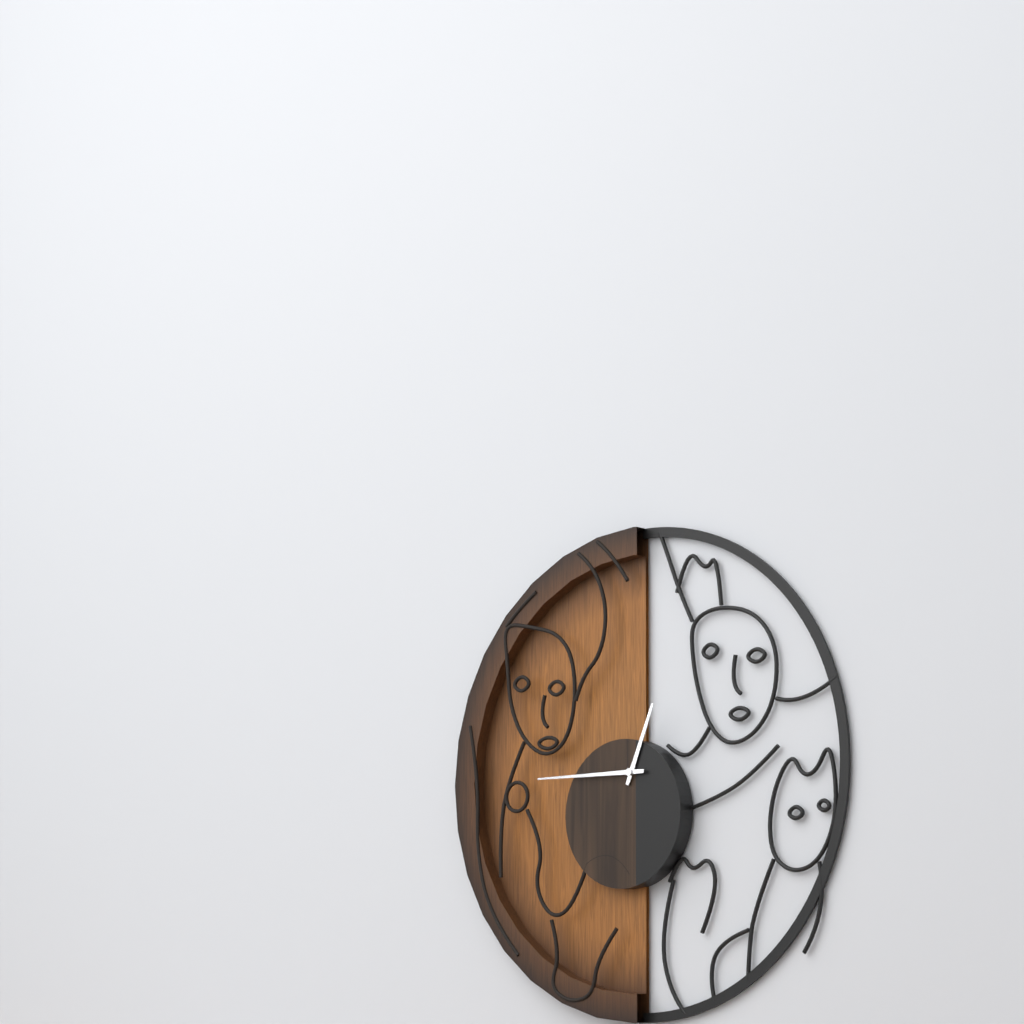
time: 12:45
